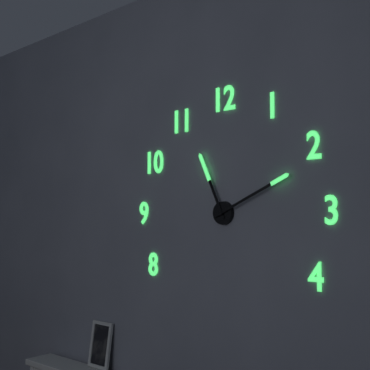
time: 11:11
